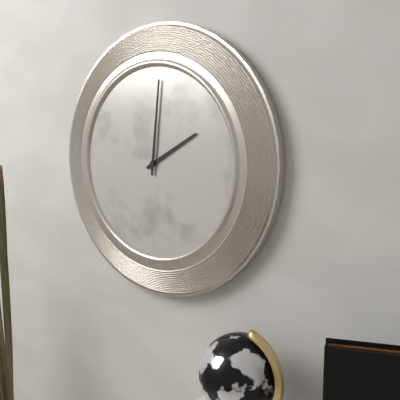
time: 2:01
